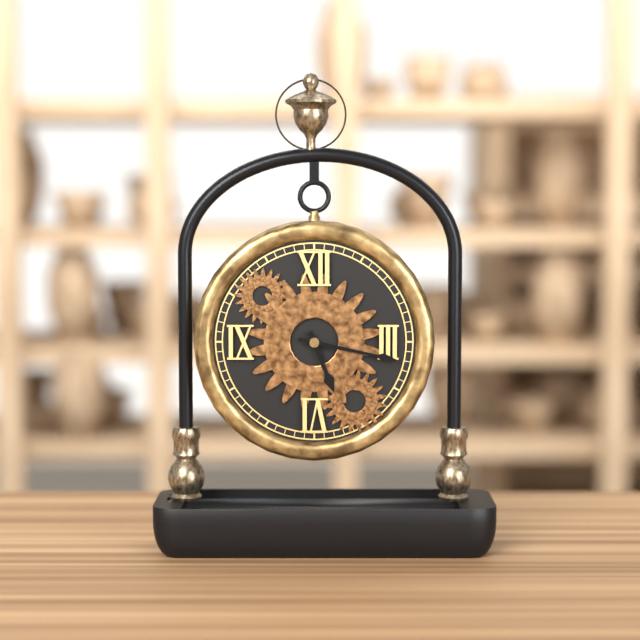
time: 5:17
